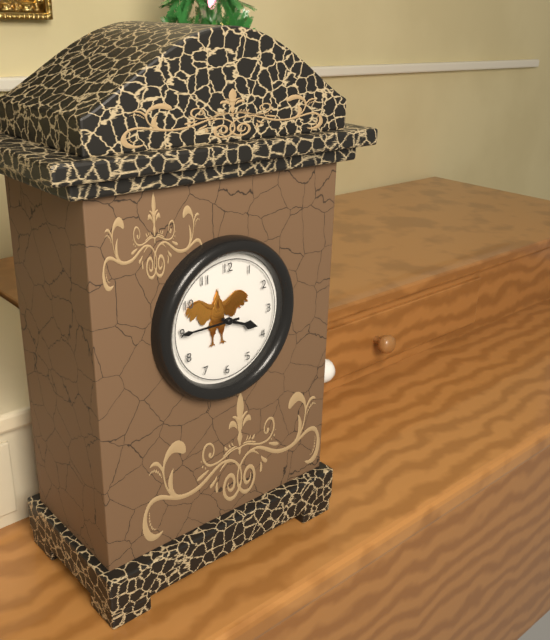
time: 3:45
